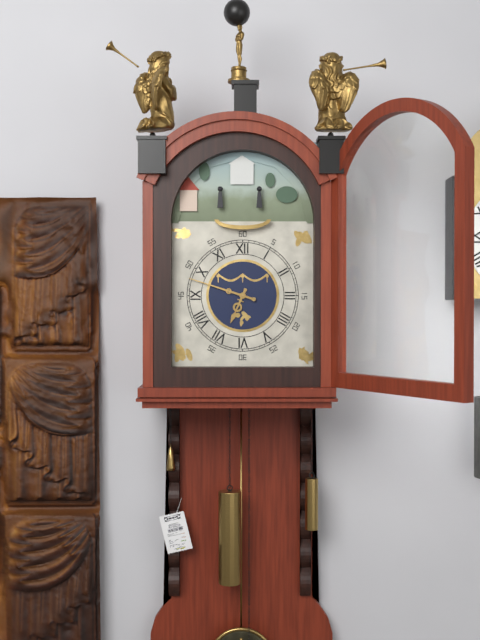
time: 6:48
